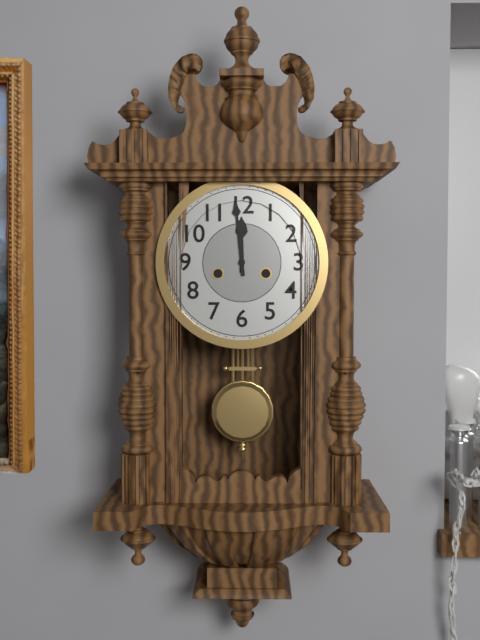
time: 11:59
